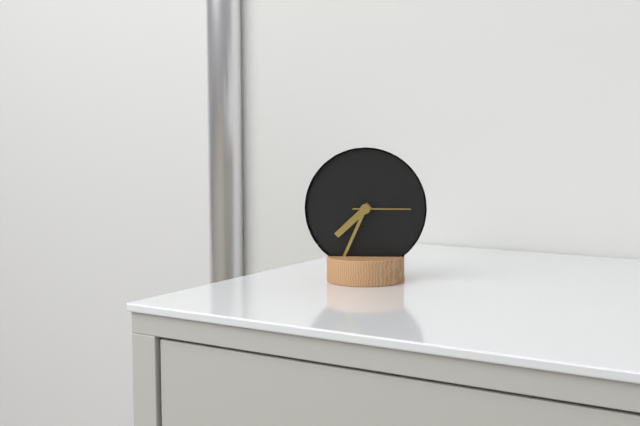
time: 7:34:15
